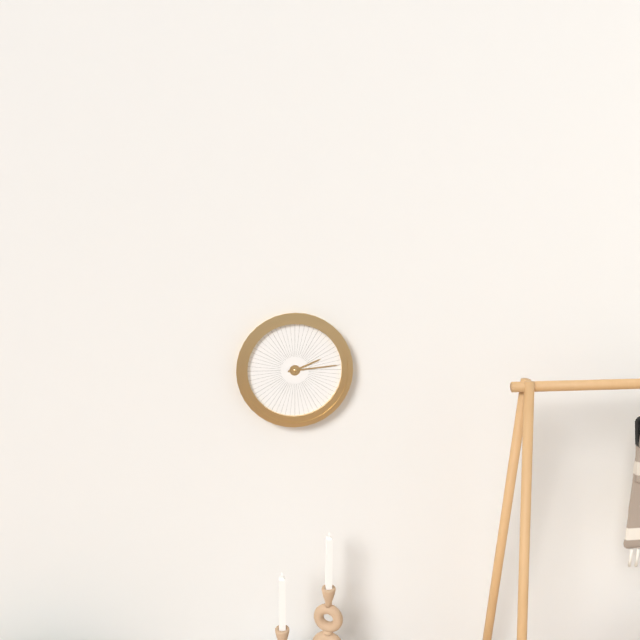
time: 2:14
